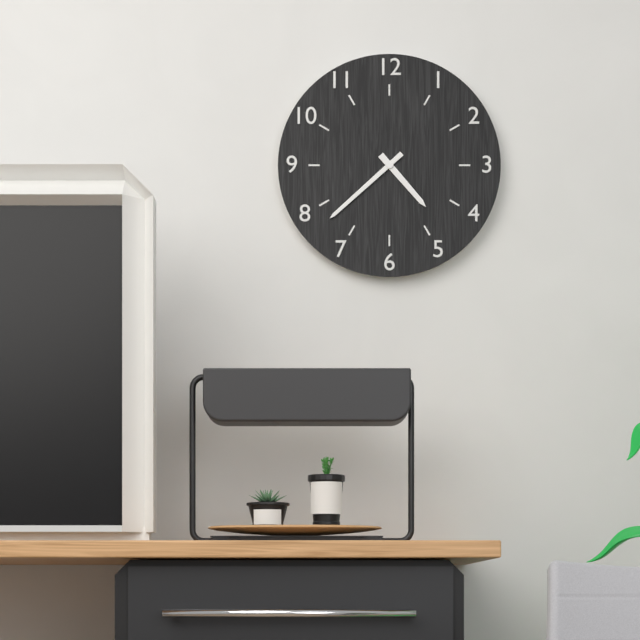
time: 4:38
